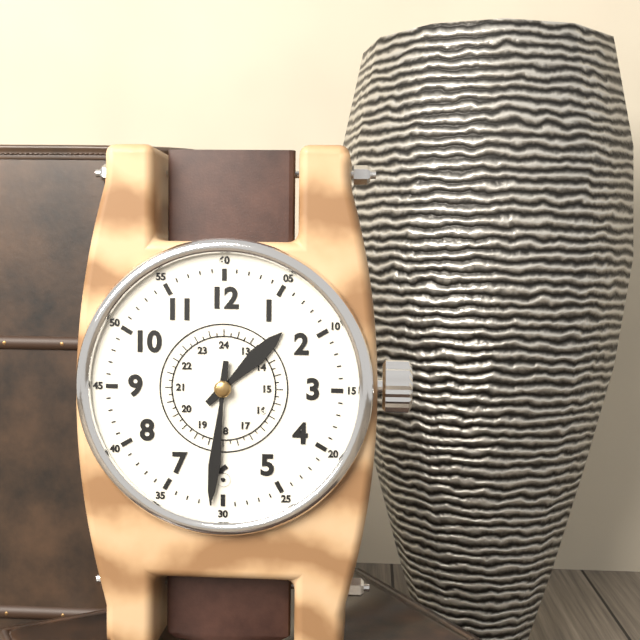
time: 1:31
